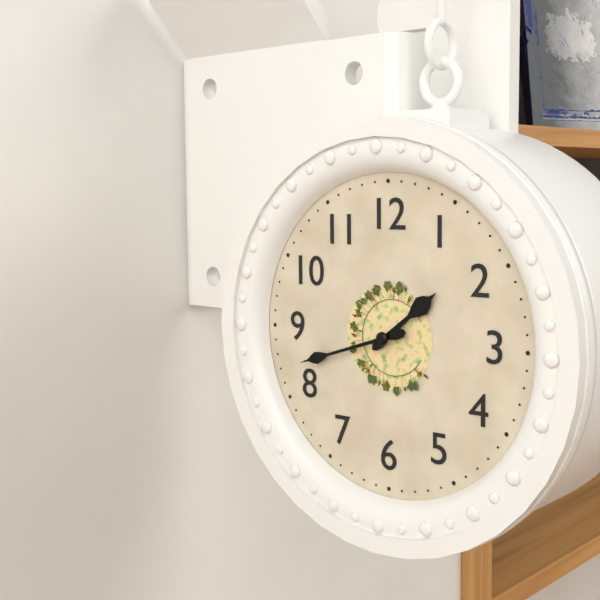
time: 1:42
